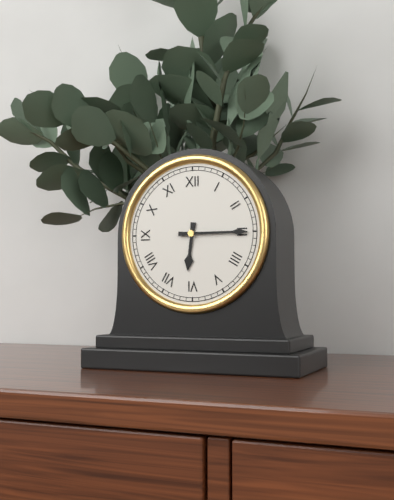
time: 6:15
